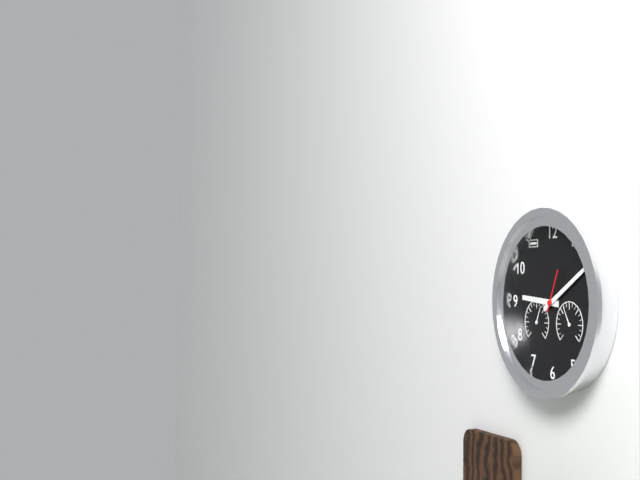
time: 9:10
